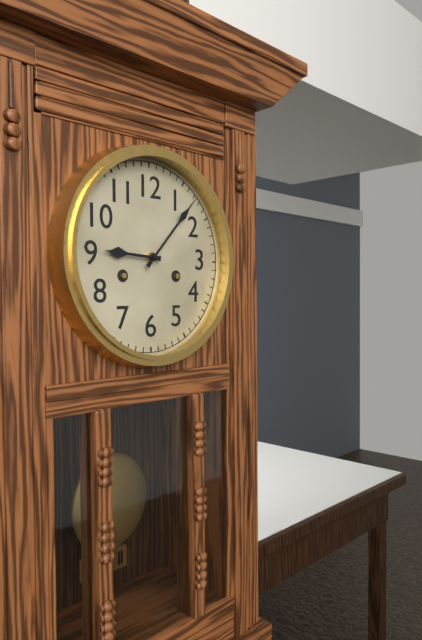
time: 9:07
